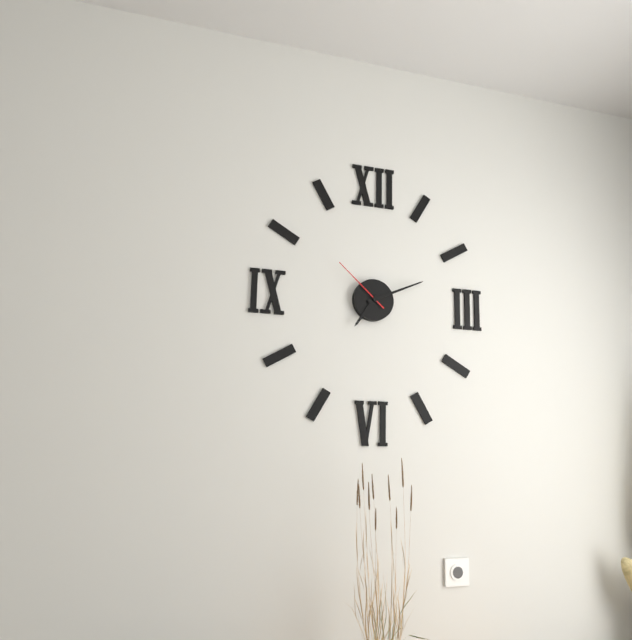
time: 7:11:52
